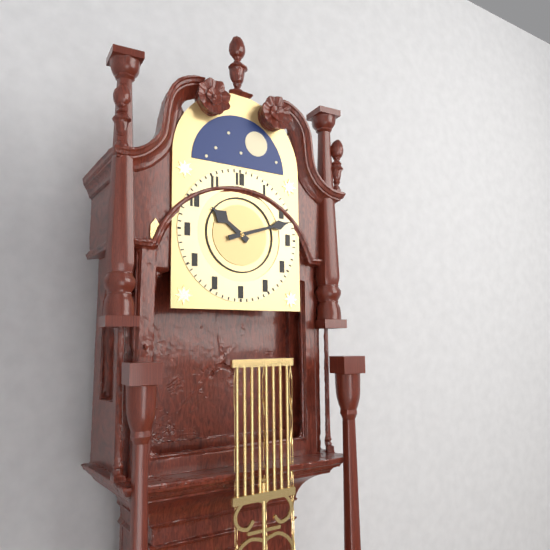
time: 10:12
